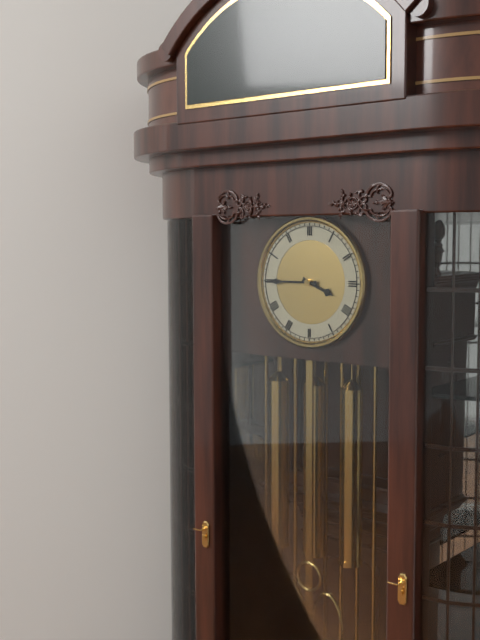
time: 3:45
